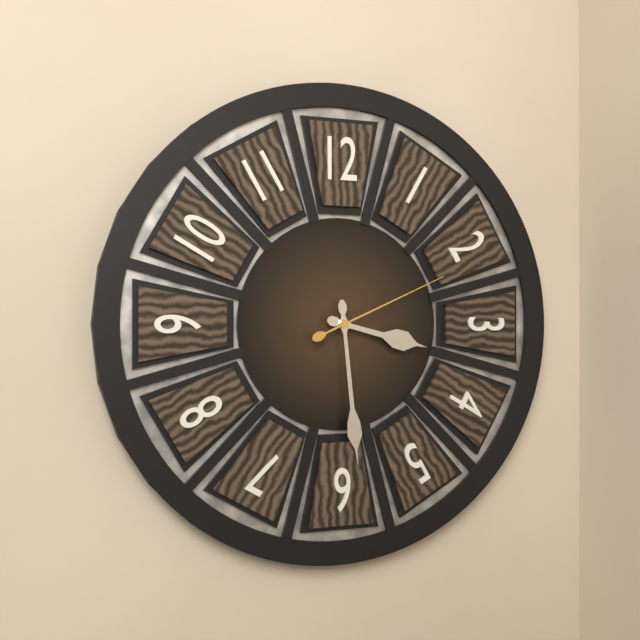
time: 3:29:11
